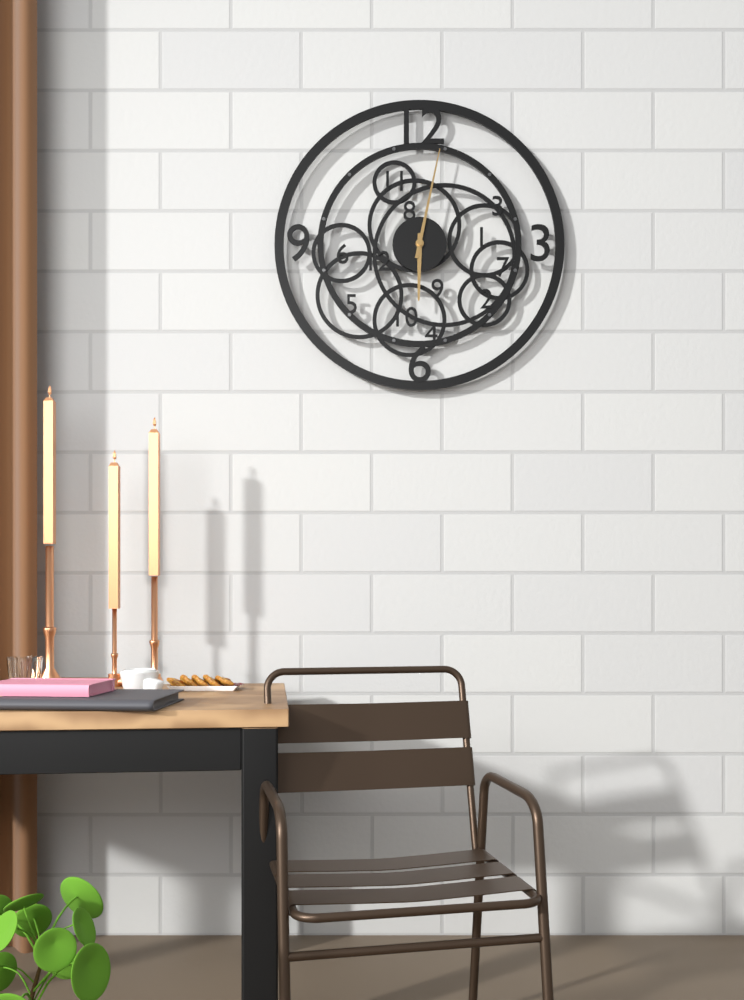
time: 6:02
